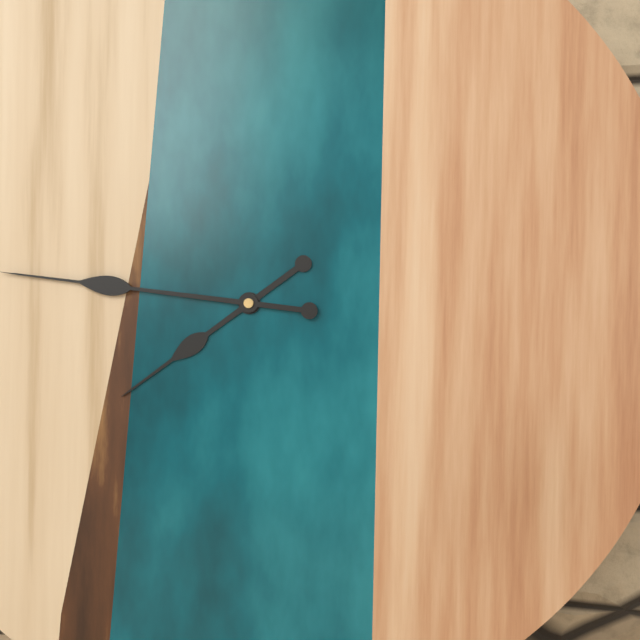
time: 7:46
